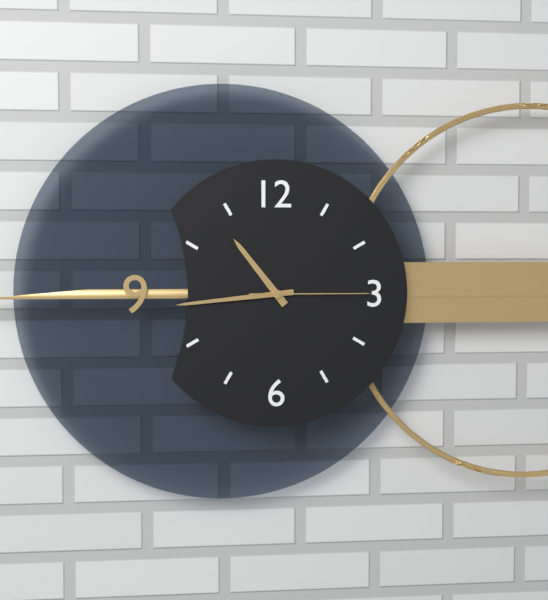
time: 10:44:15
